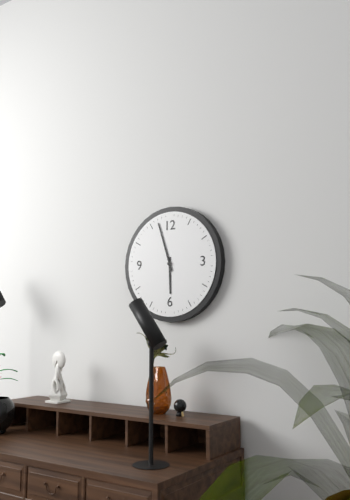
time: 5:57
